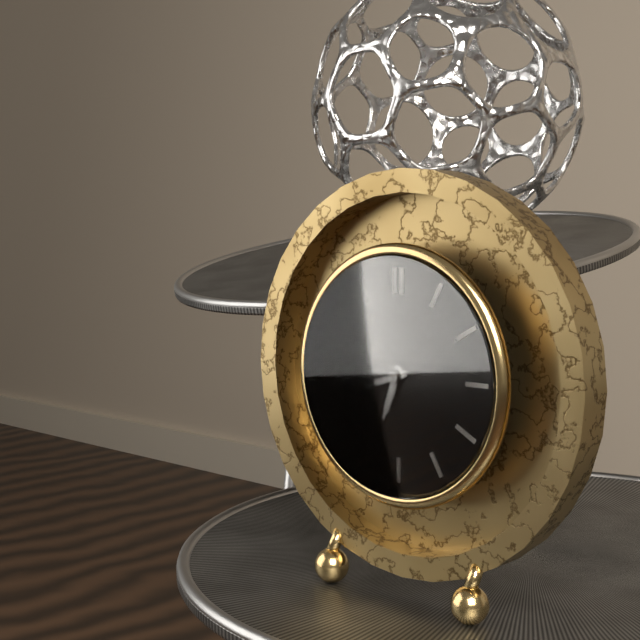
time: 6:42
